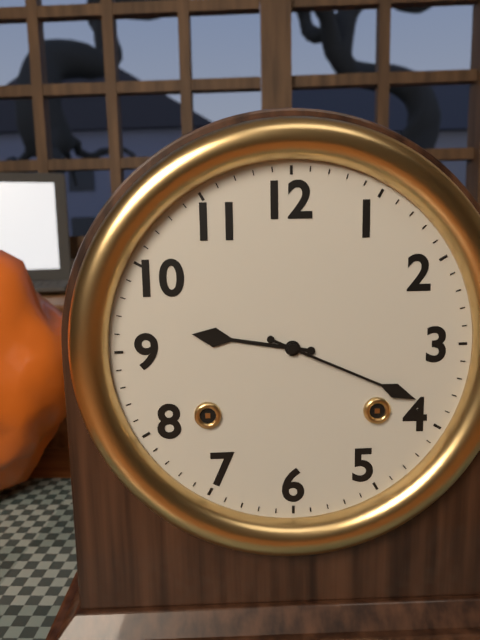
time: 9:19
